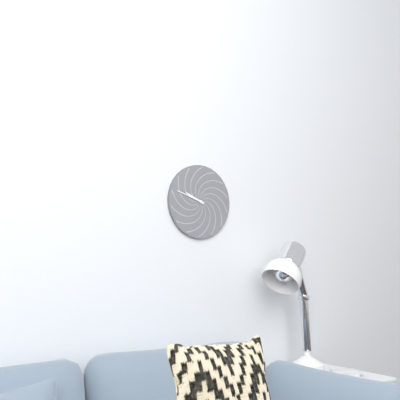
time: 9:48
